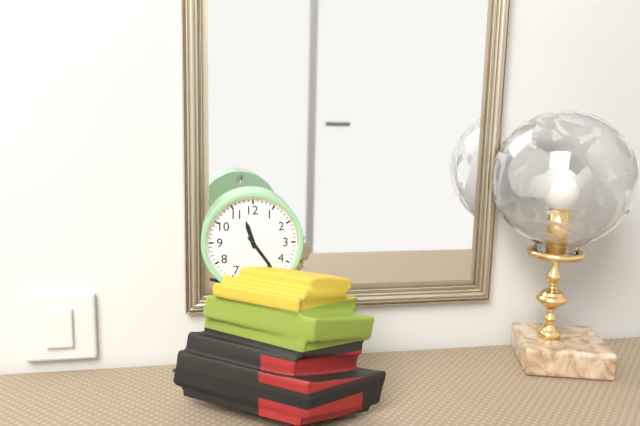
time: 11:24
